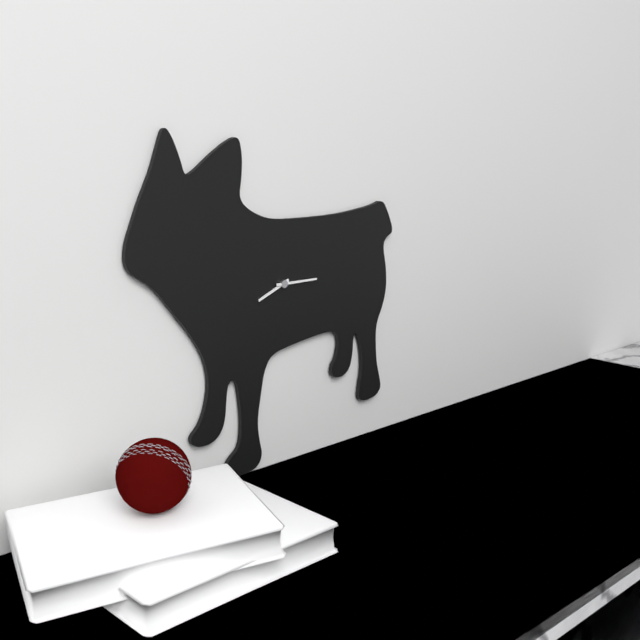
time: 8:15
